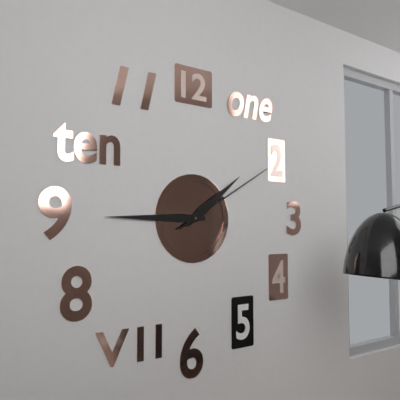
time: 1:45:10
